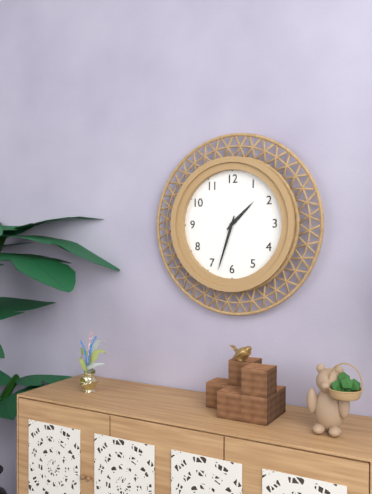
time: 1:33
